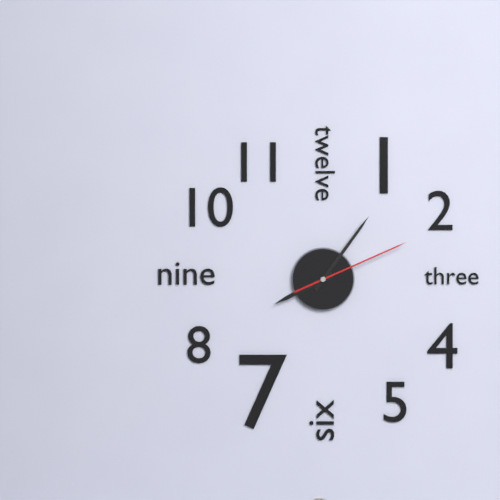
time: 8:06:11
